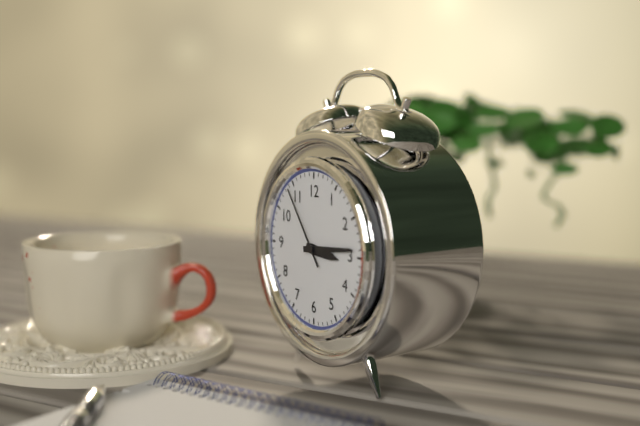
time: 3:14:54
